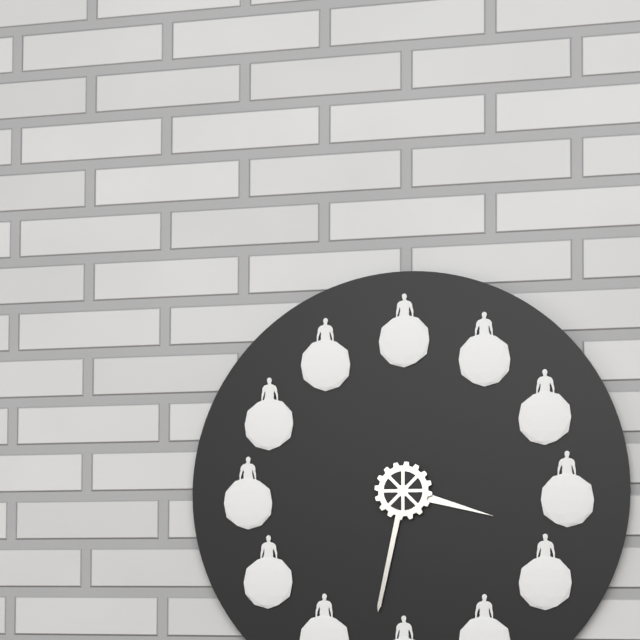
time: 3:32
